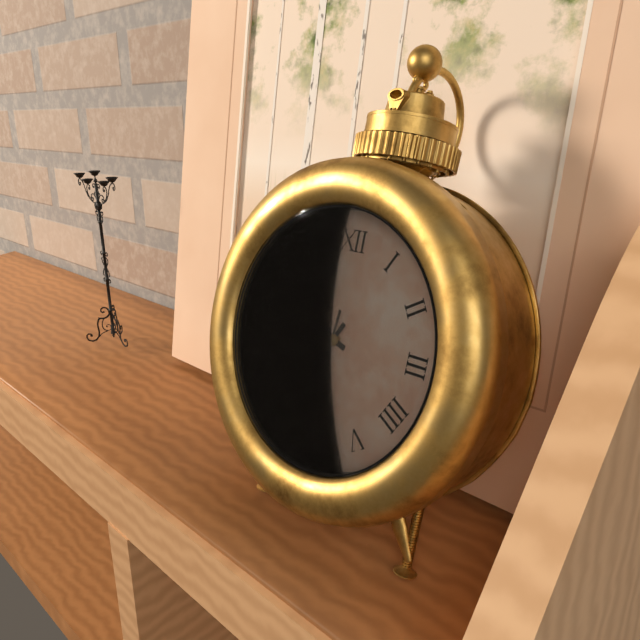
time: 9:35:31
